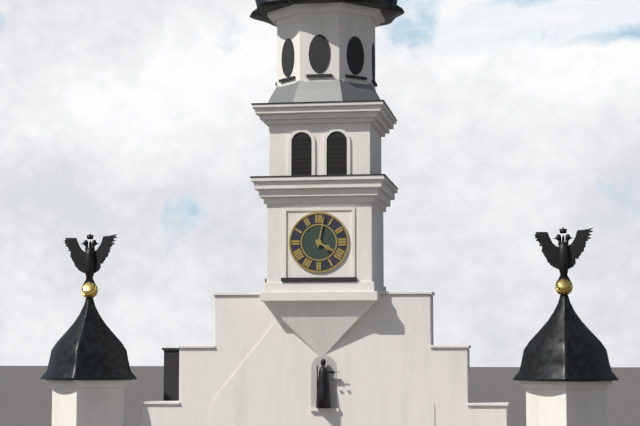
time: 4:02
